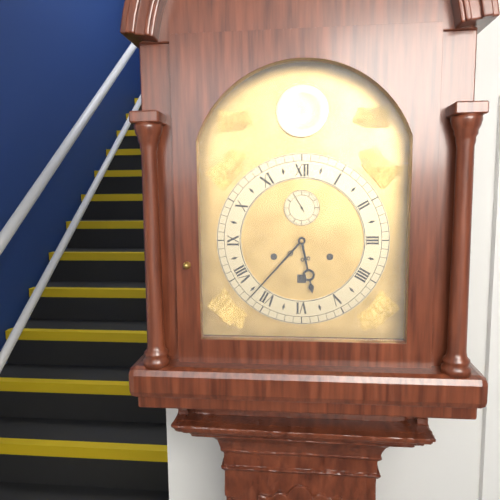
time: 5:37
